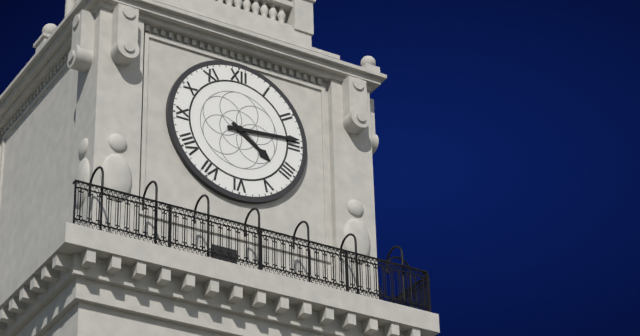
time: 4:14
